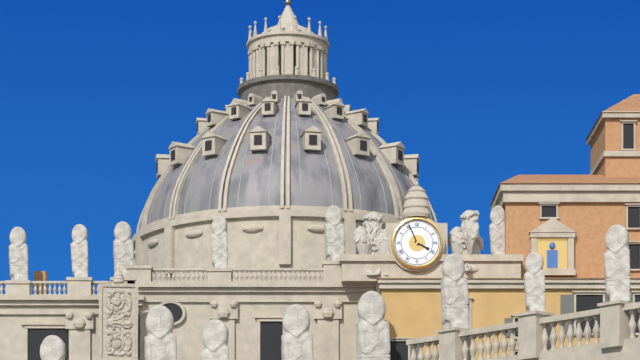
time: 3:56
